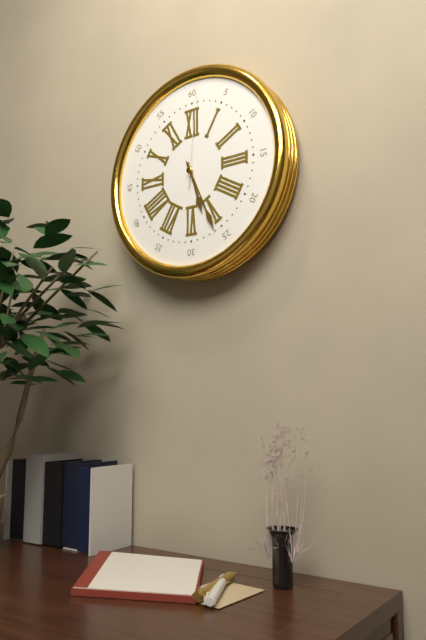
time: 5:26:01
